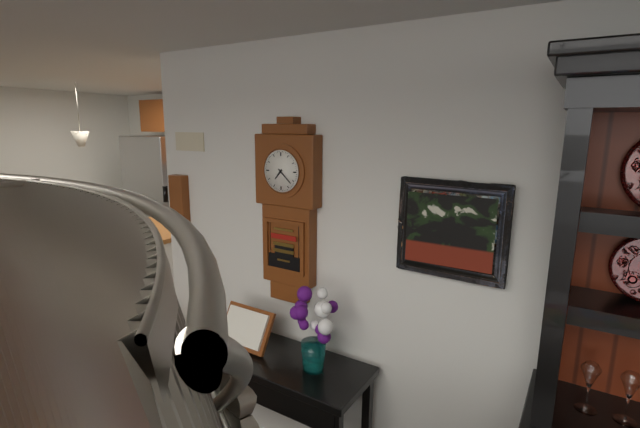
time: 7:22
